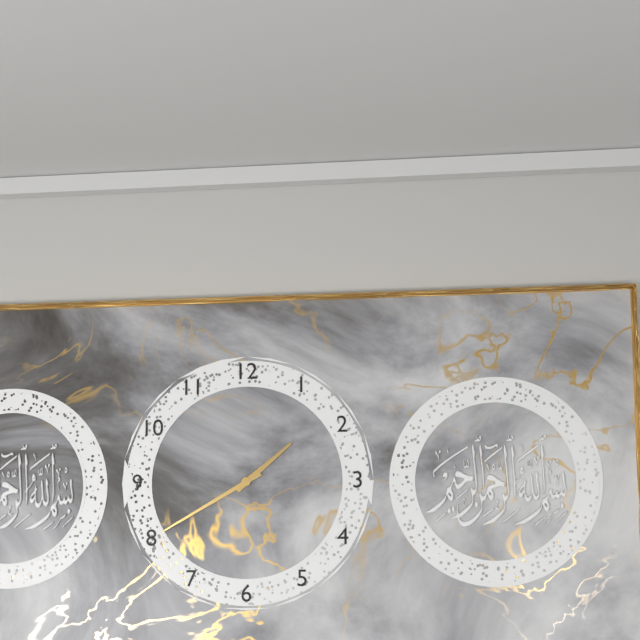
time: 1:40
